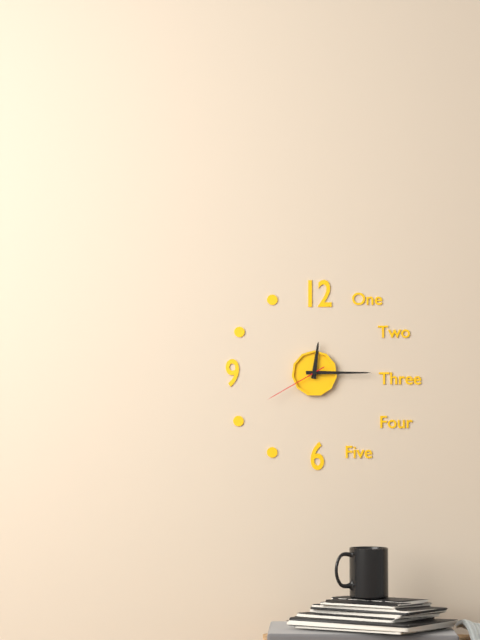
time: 12:15:40
